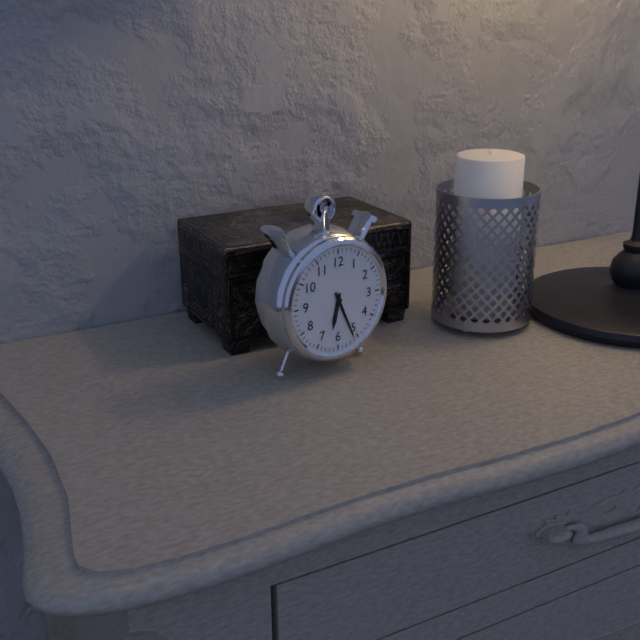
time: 6:26
